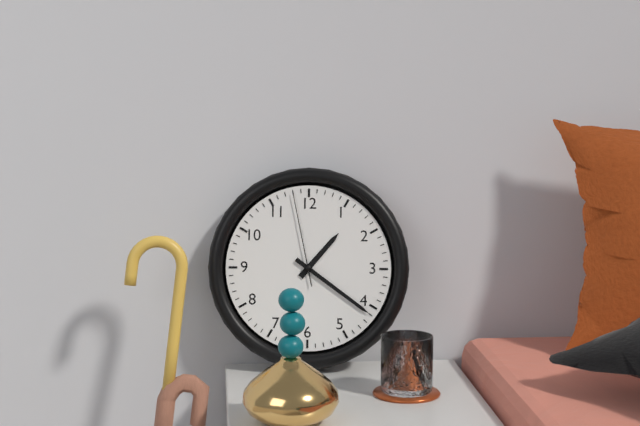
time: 1:21:58
